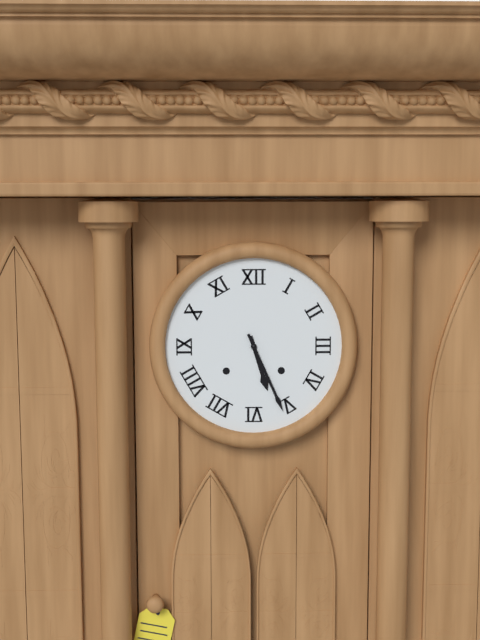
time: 5:26
